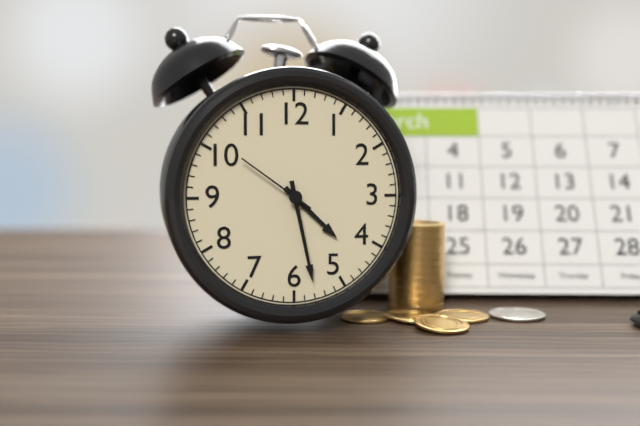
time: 4:28:51
